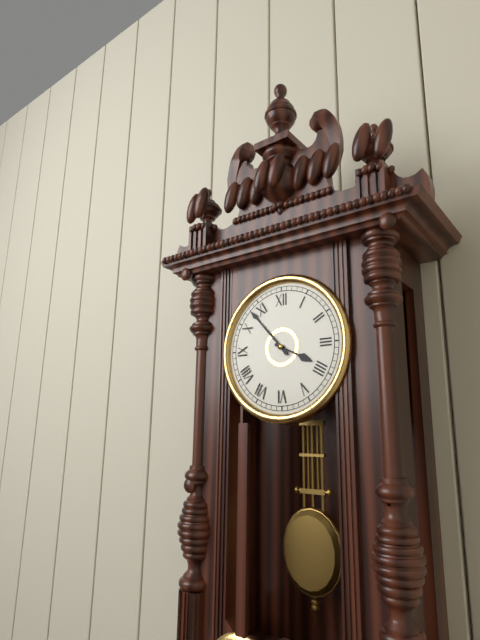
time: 3:53
